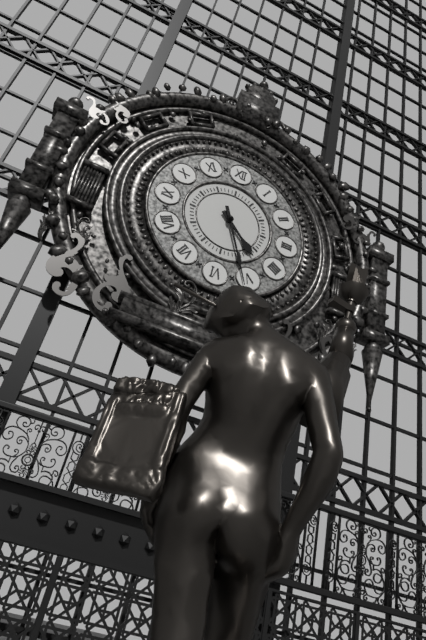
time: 4:26
